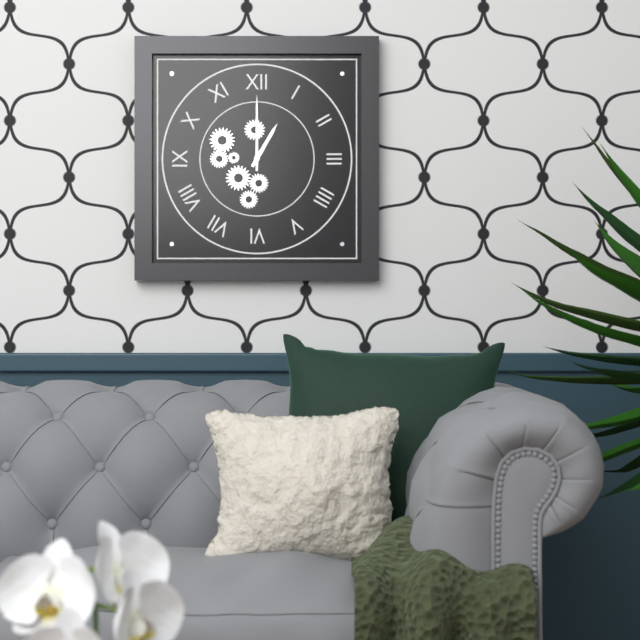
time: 1:00
